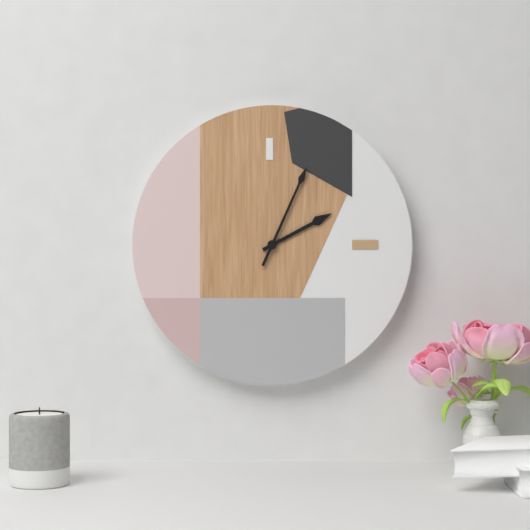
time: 2:04
